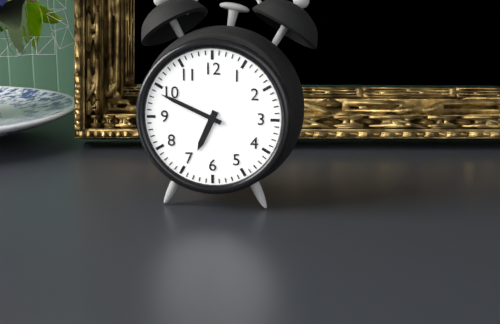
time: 6:49
